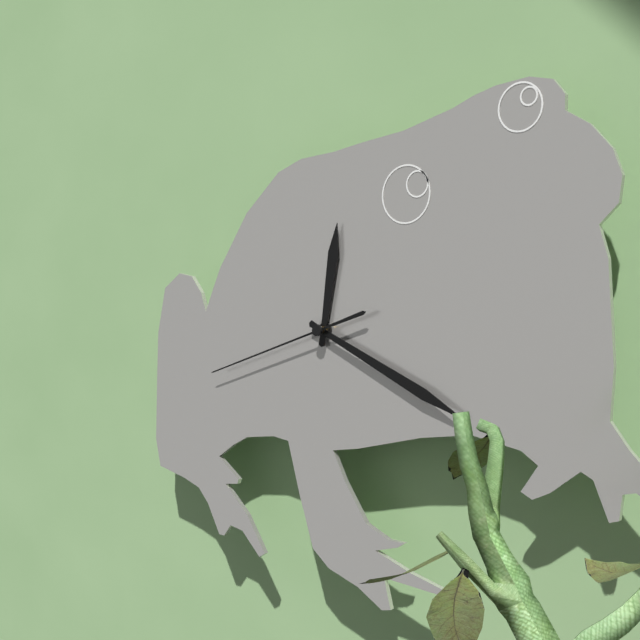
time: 12:19:42
